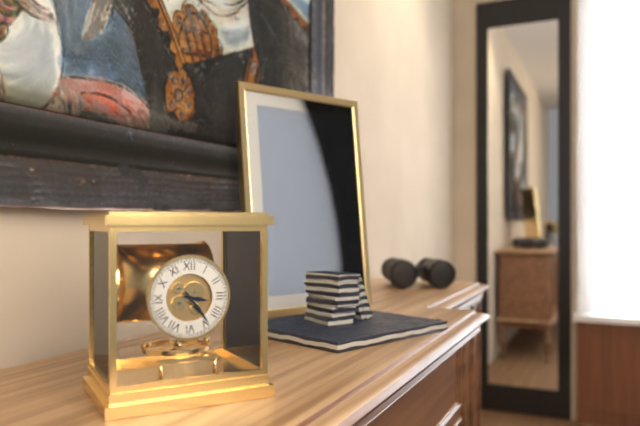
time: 3:24
